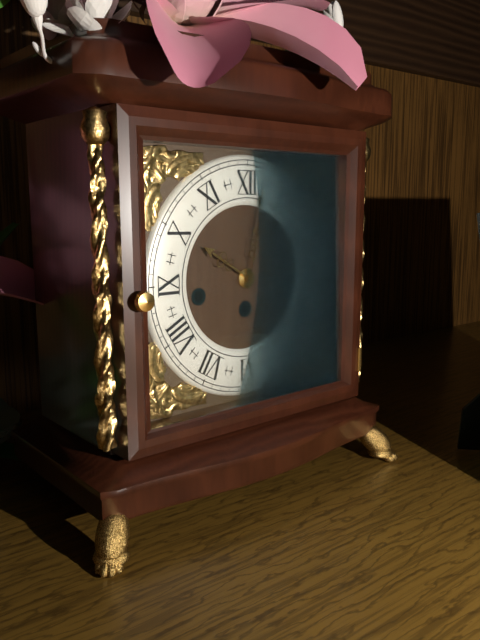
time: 10:02
